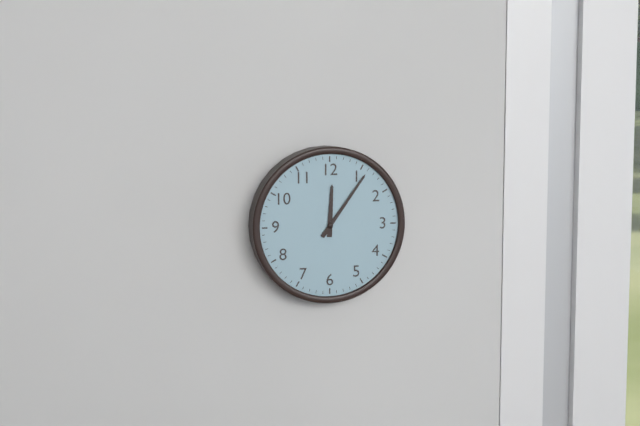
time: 12:06
